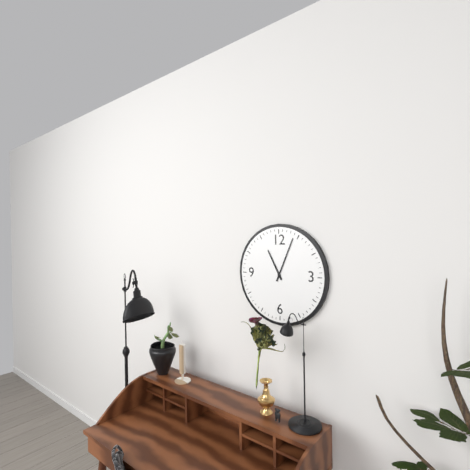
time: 11:04
